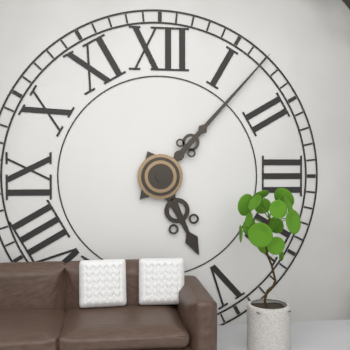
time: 5:07
